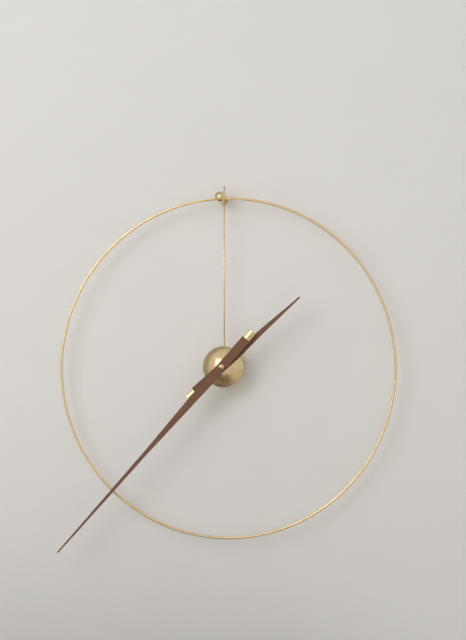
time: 1:37
